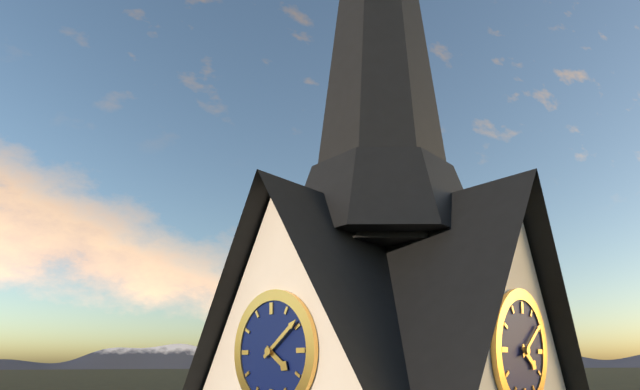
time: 4:09
